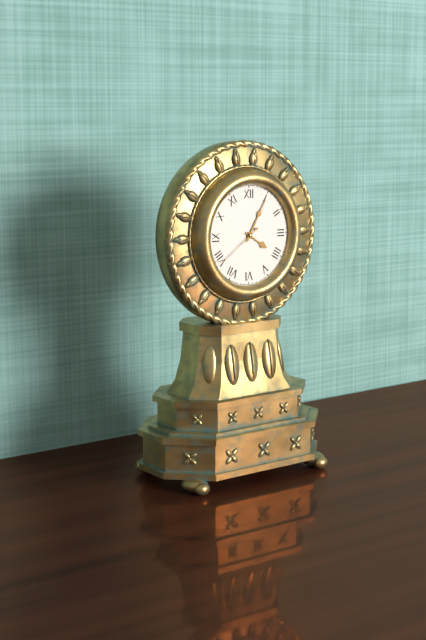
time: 4:05:39
